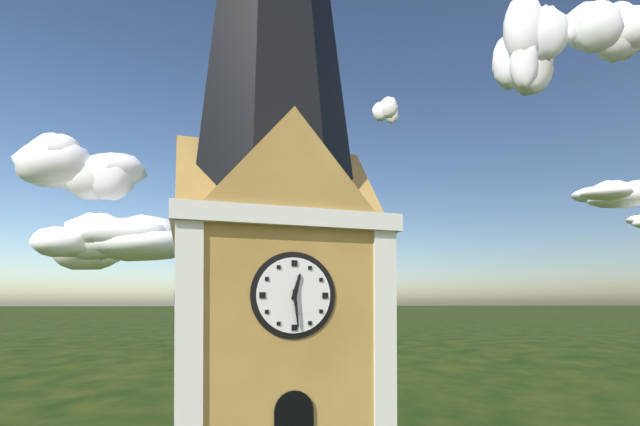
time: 12:29
